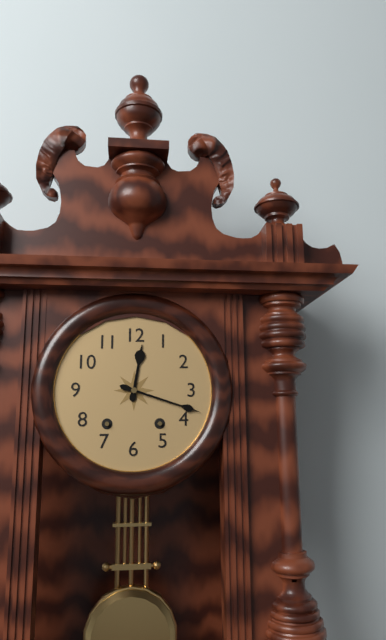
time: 12:18
